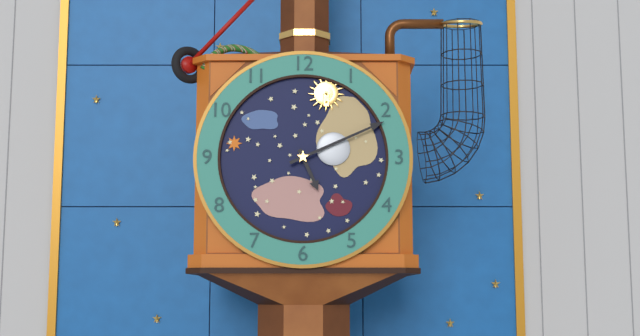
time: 5:11
